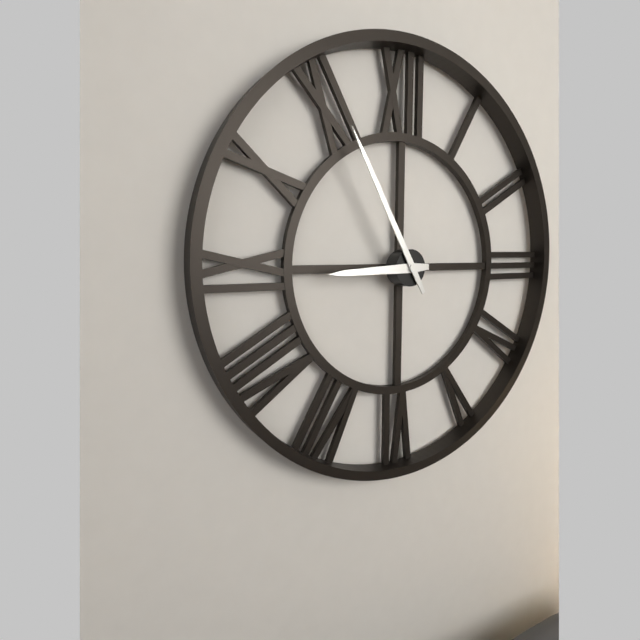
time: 8:55
